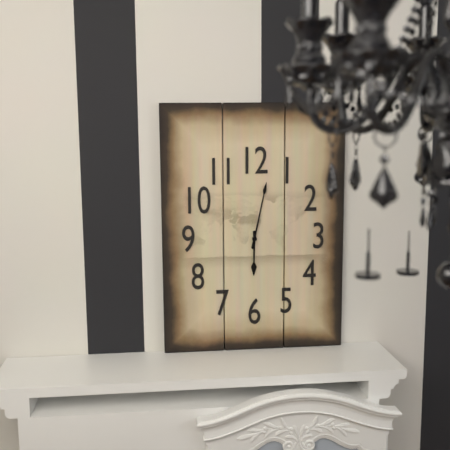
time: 6:02
